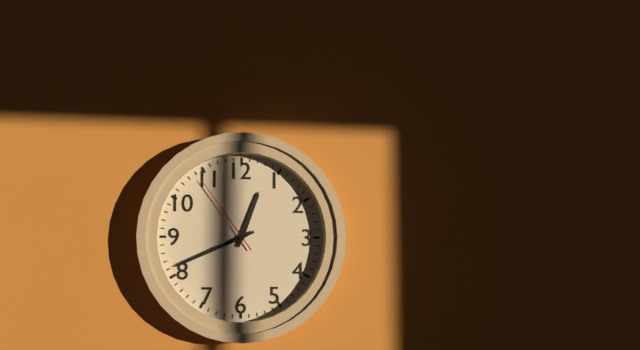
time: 12:41:54
